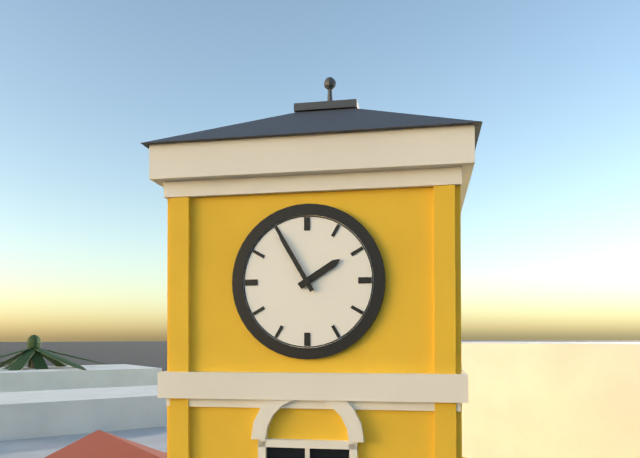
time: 1:55
